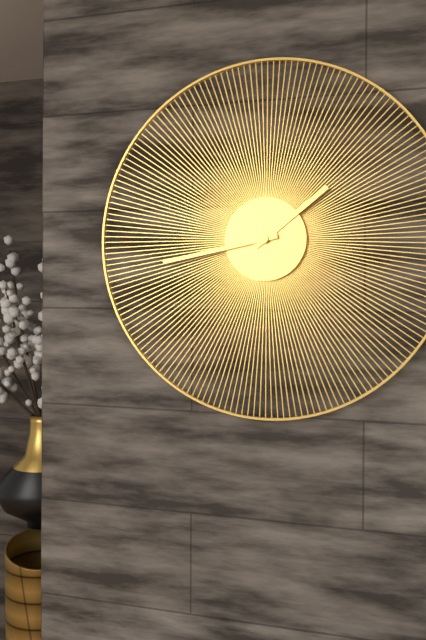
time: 1:43
